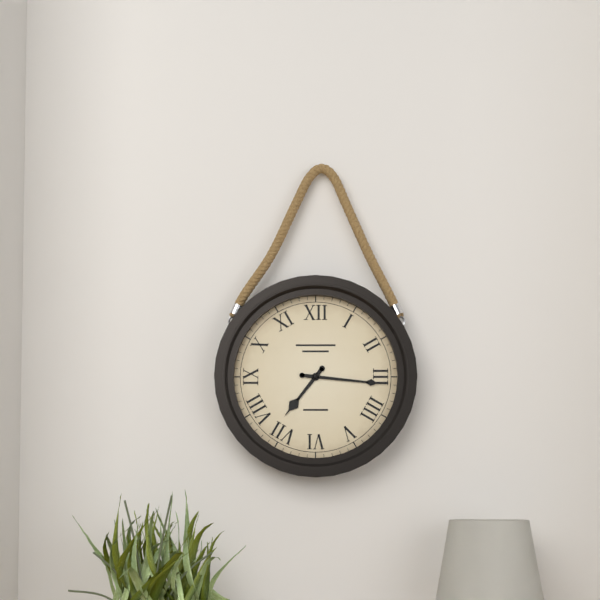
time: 7:16
